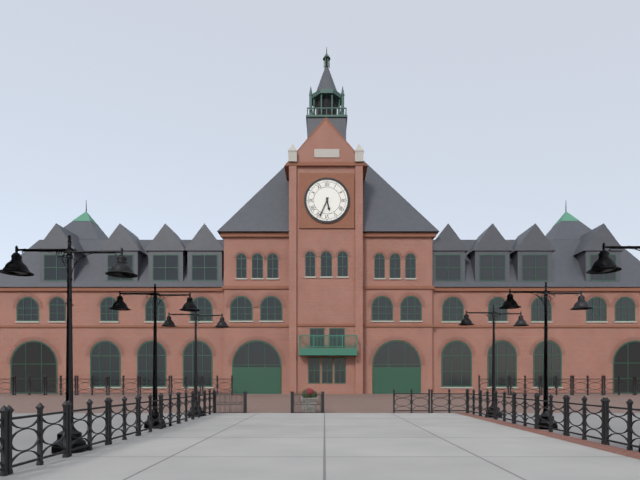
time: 5:34
